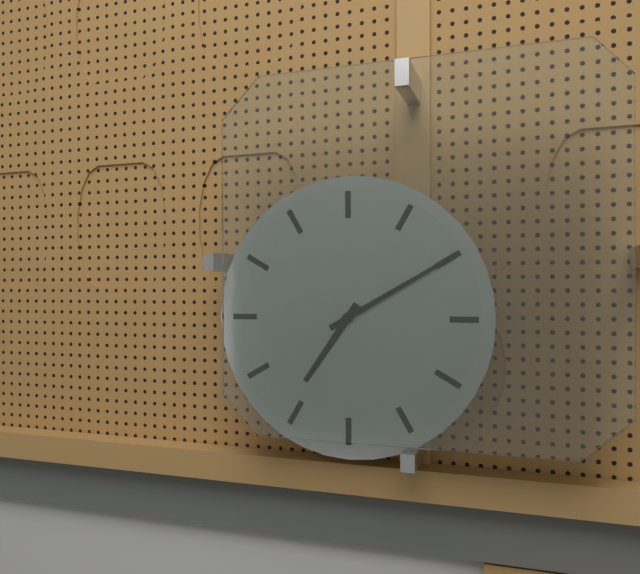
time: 7:10
